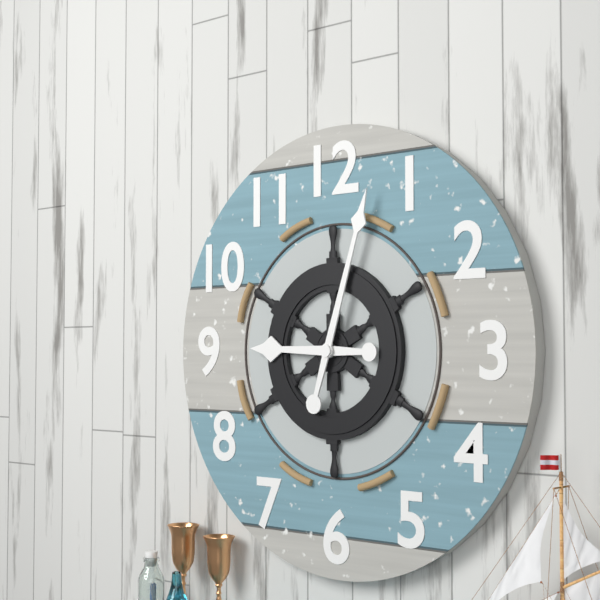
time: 9:03
